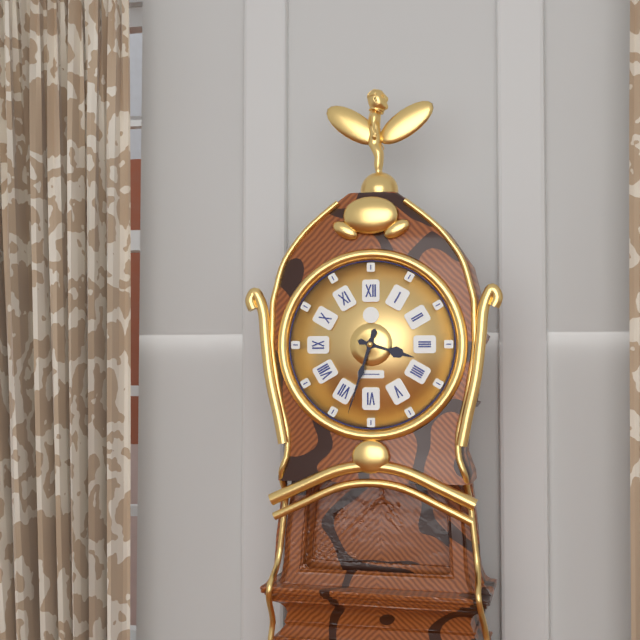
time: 3:33
